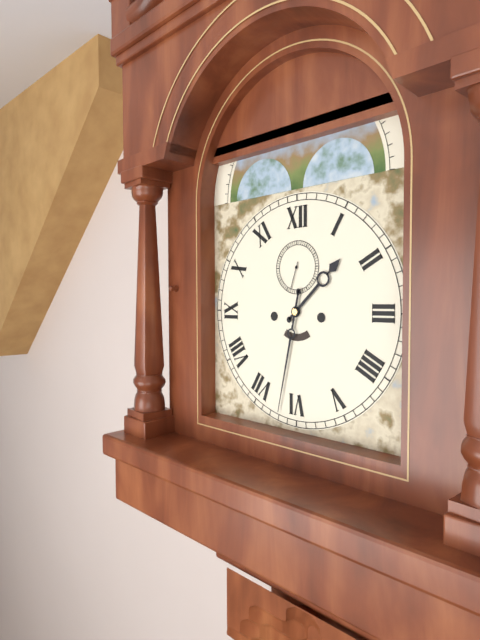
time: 1:32
